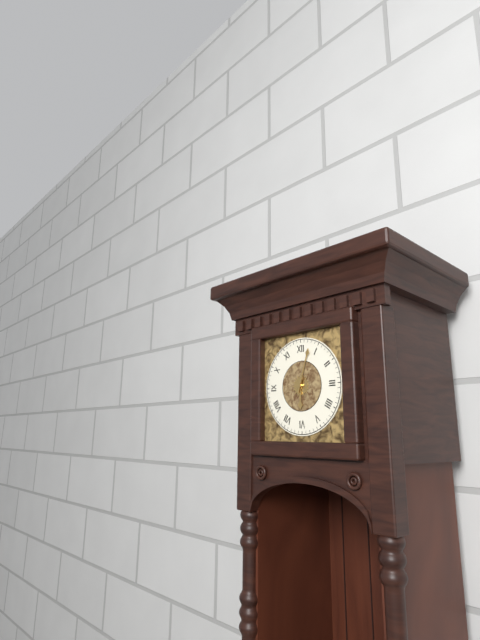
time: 6:03
